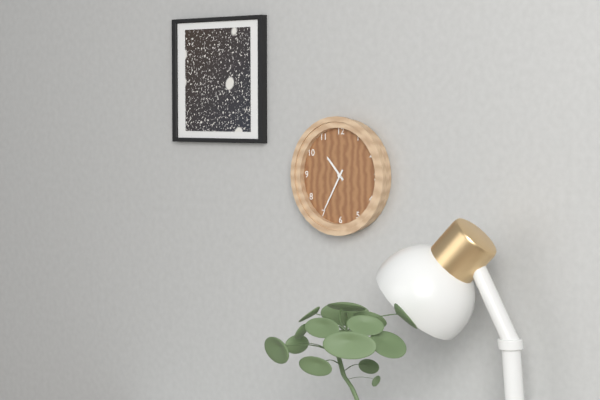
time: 10:35
